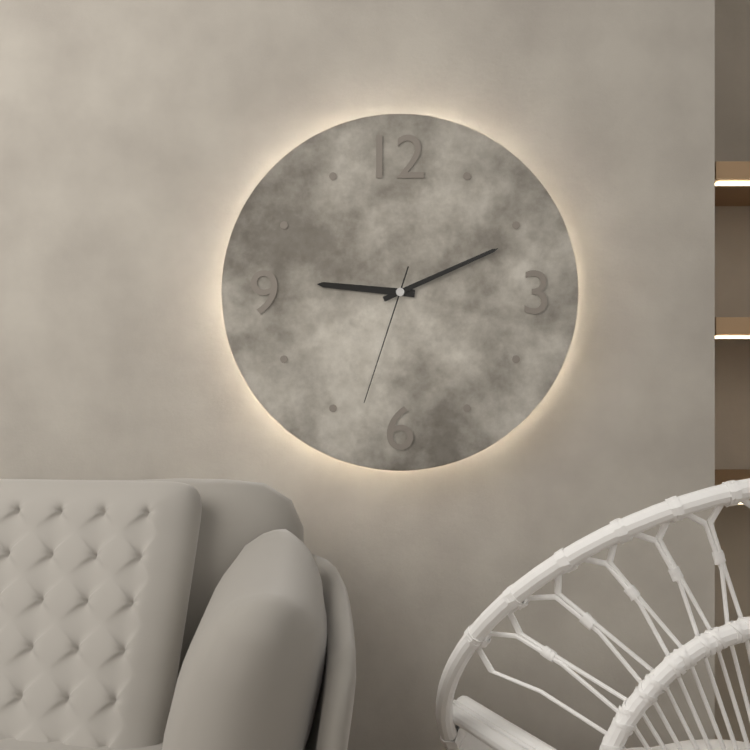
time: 9:11:33
